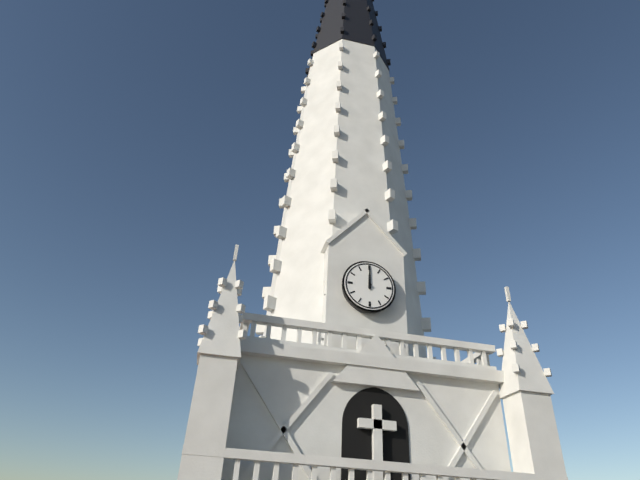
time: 12:00
